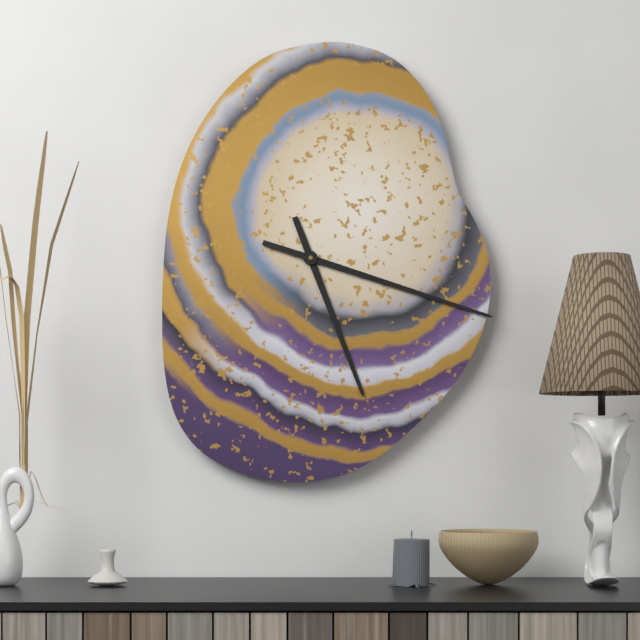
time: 5:18
